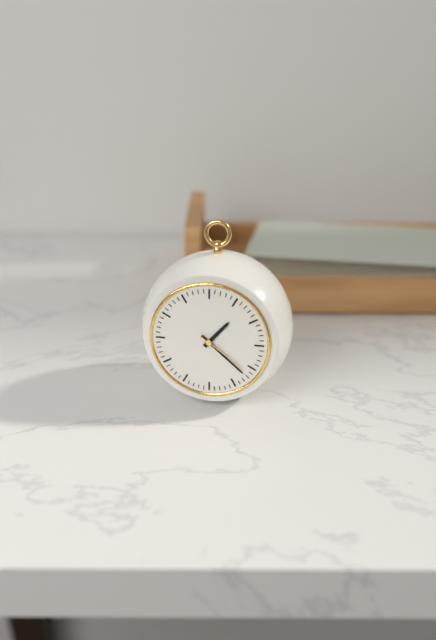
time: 1:22:21
